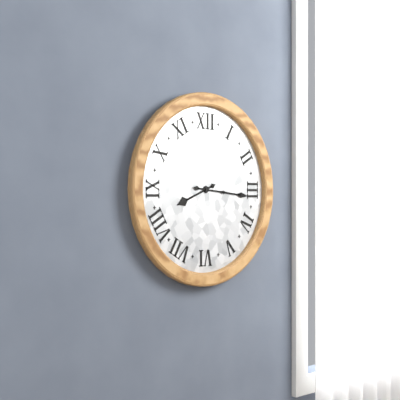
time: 8:16
